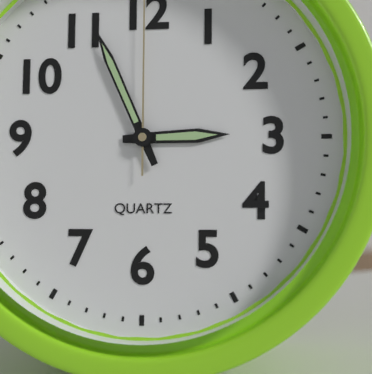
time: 2:56
